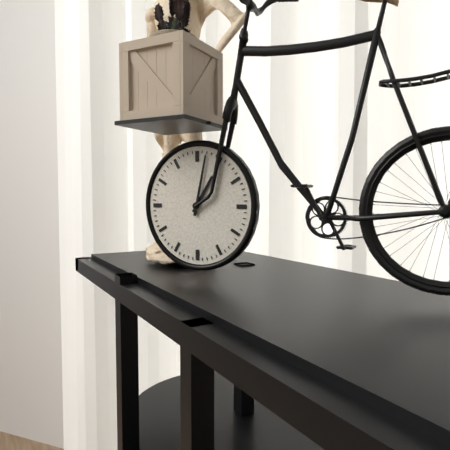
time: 1:02
